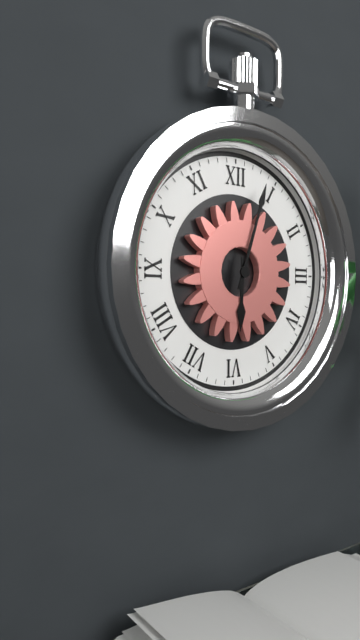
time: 6:03
